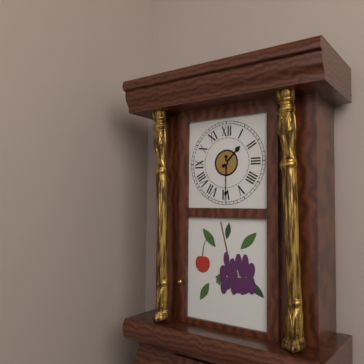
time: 1:30
